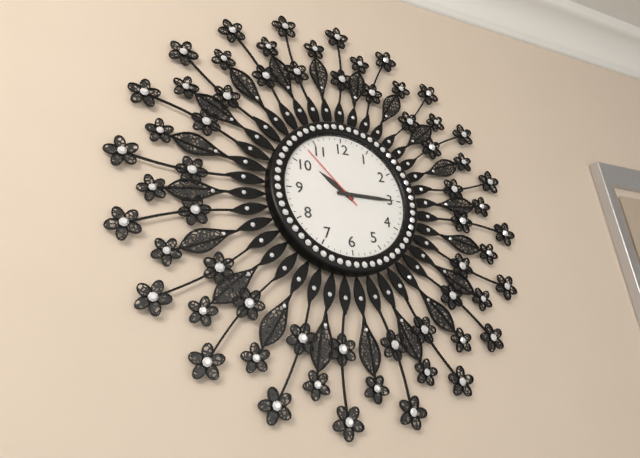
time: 10:15:53
